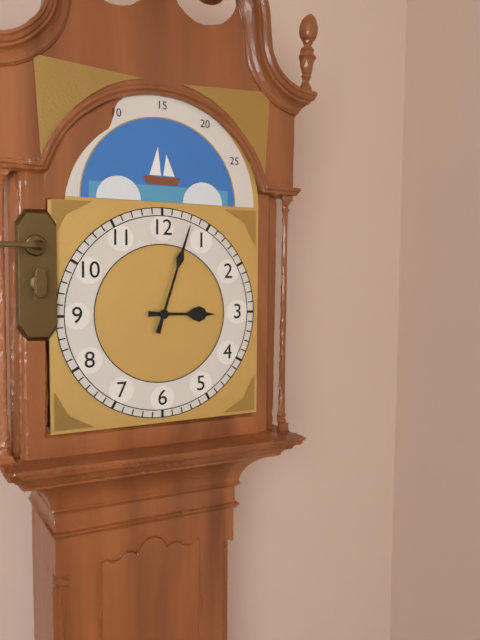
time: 3:03
